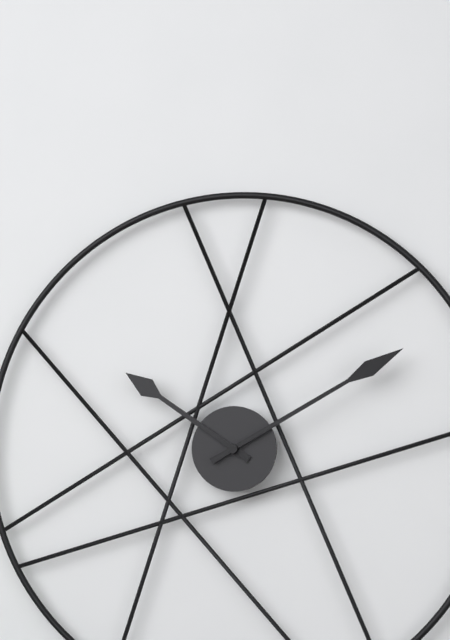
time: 10:10
